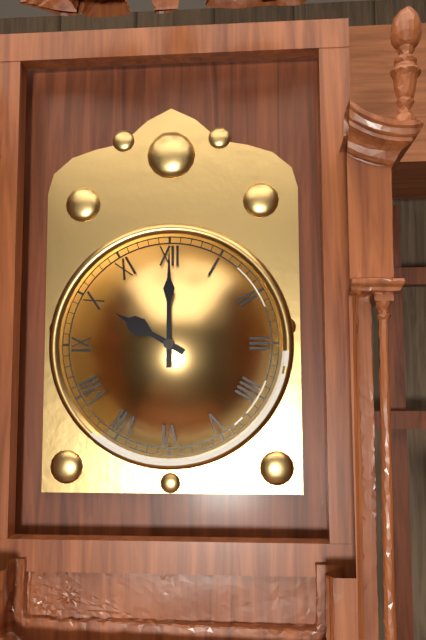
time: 10:00
